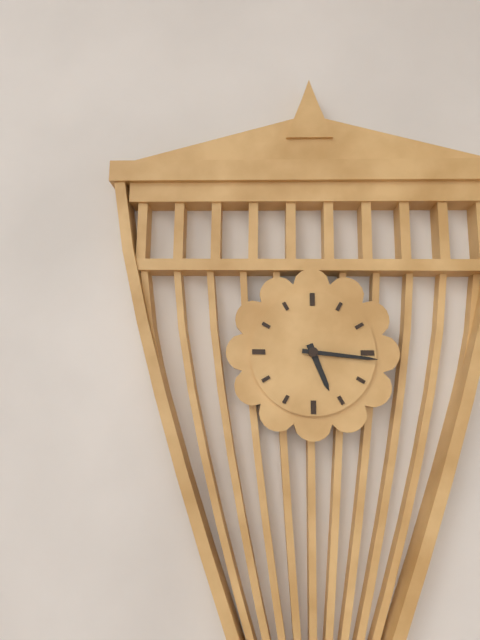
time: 5:16
